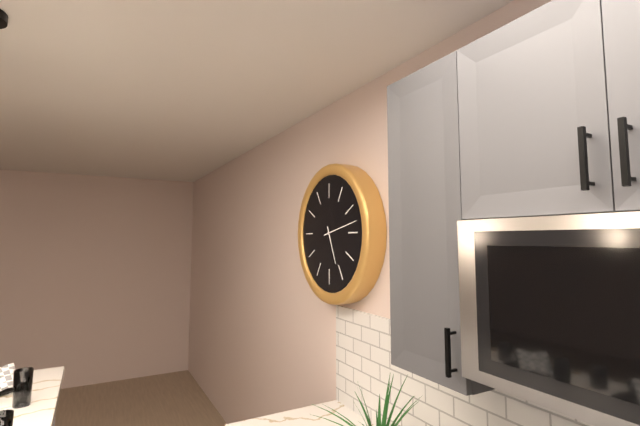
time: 5:13
